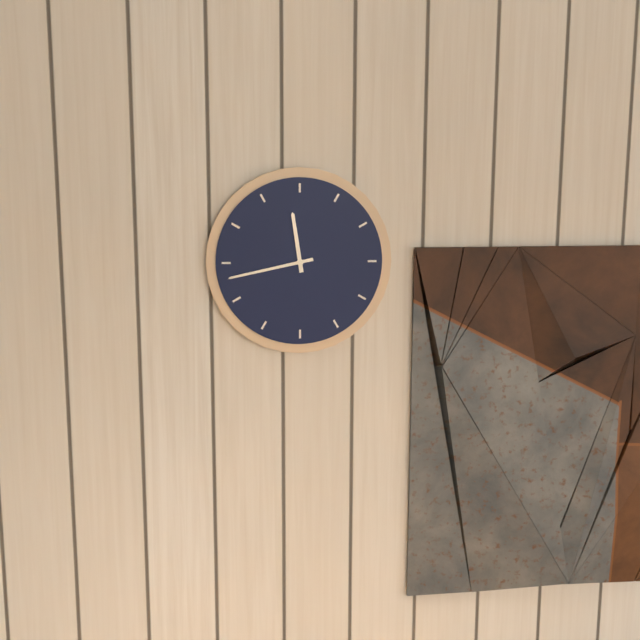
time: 11:43
